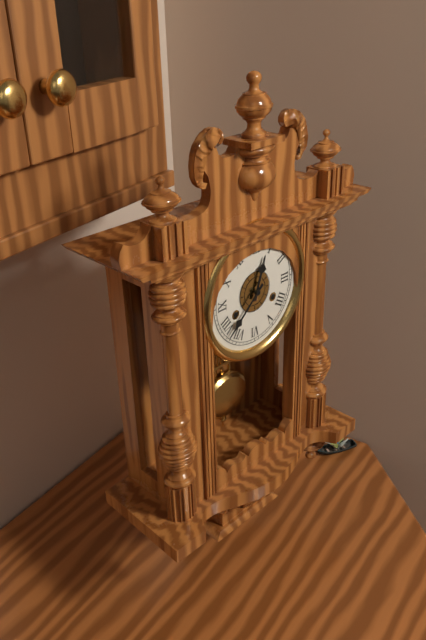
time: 12:38
